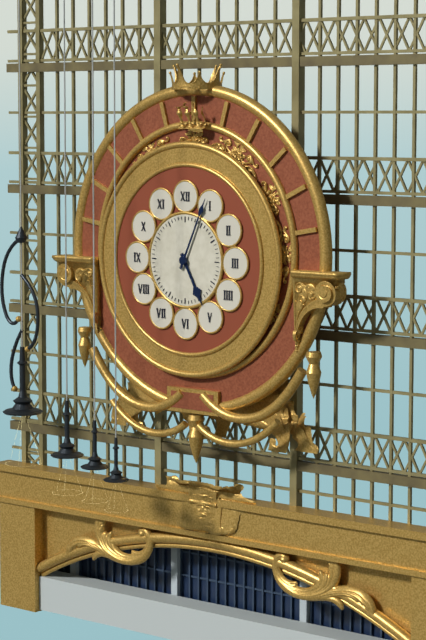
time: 5:04
